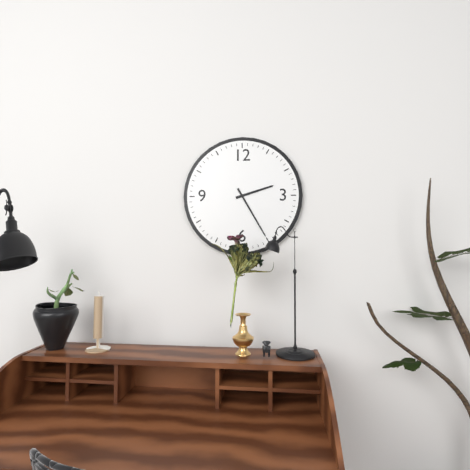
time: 2:25
